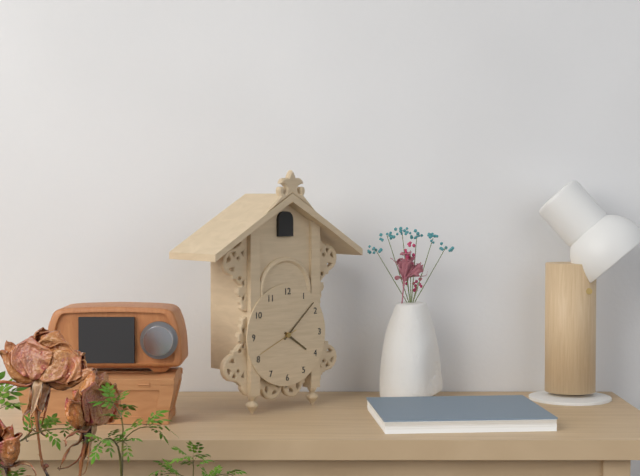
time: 4:08
